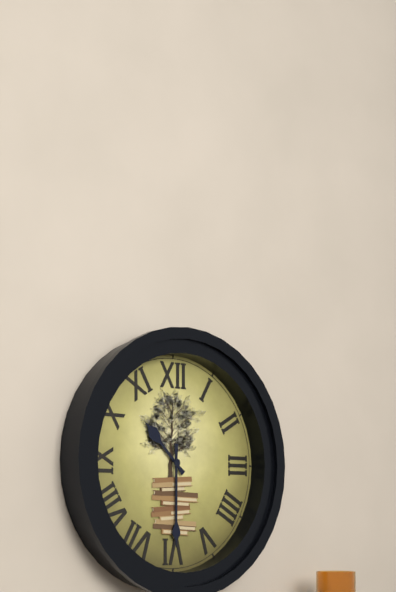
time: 10:30
